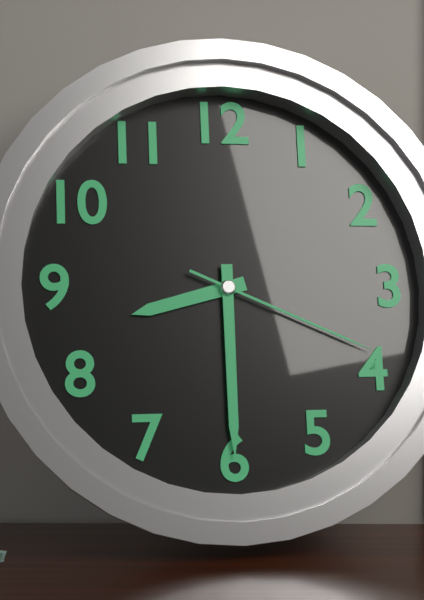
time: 8:30:19
